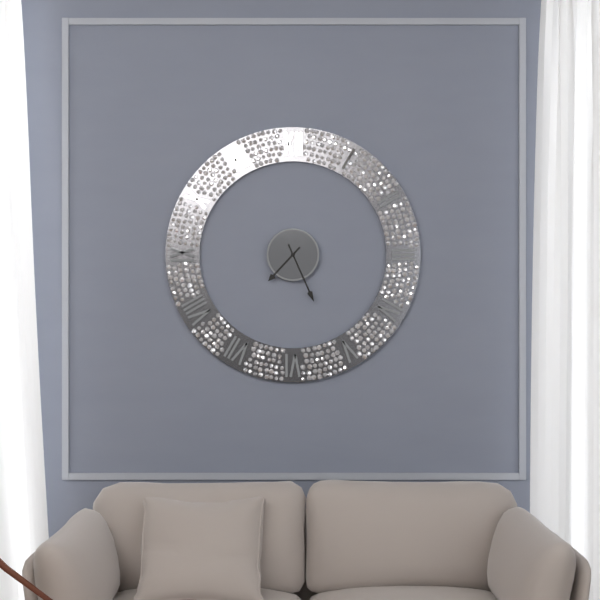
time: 7:26
